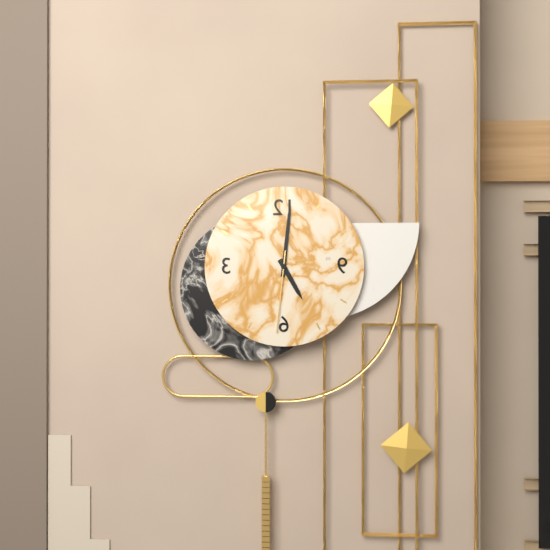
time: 5:01:31
